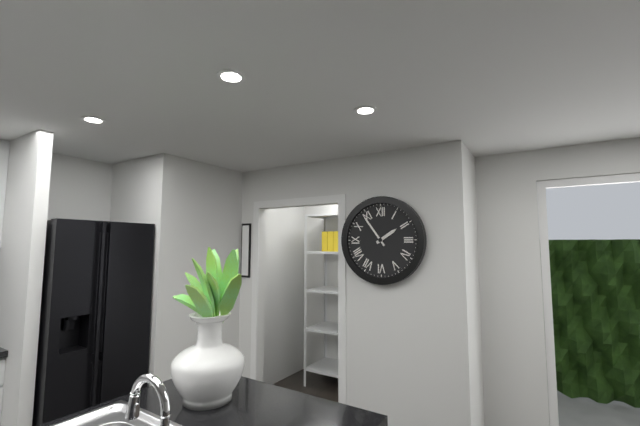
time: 1:54
